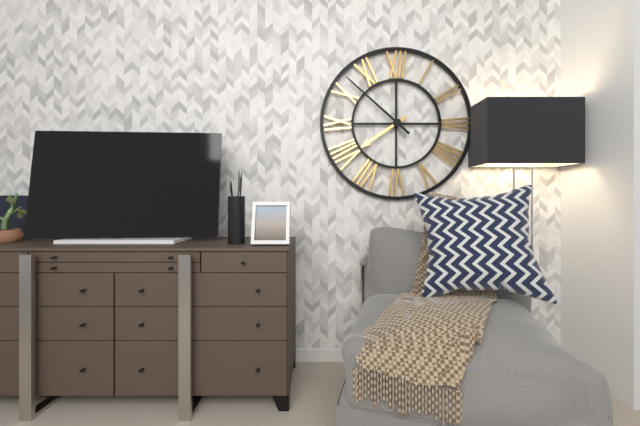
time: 7:52
